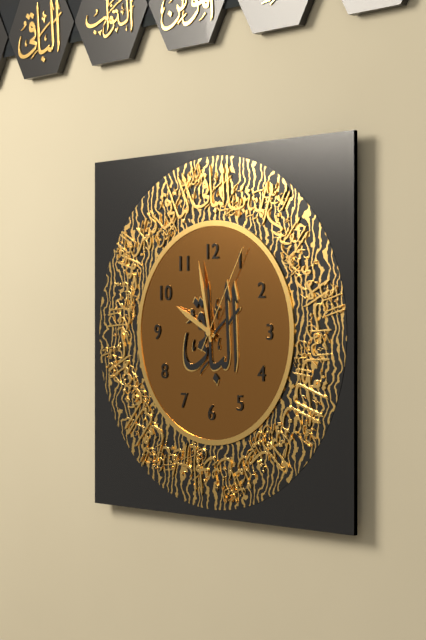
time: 9:58:05
